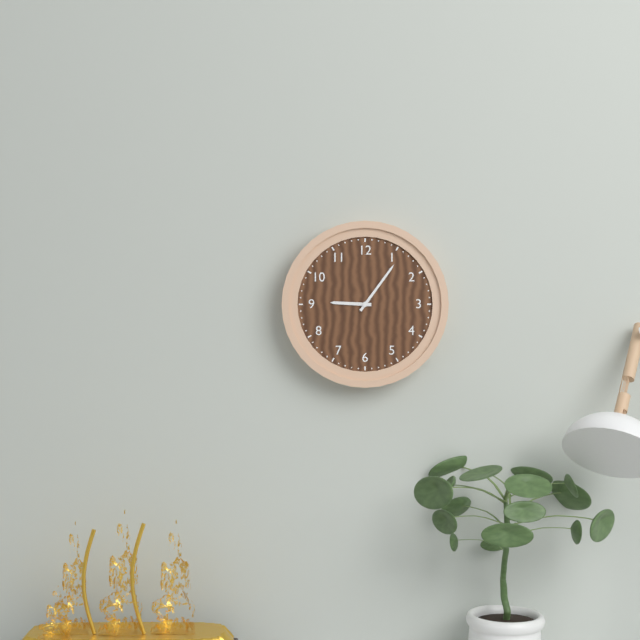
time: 9:06
